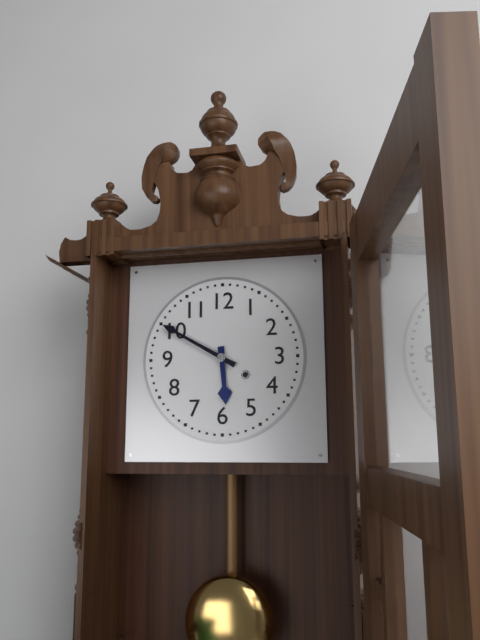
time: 5:50
